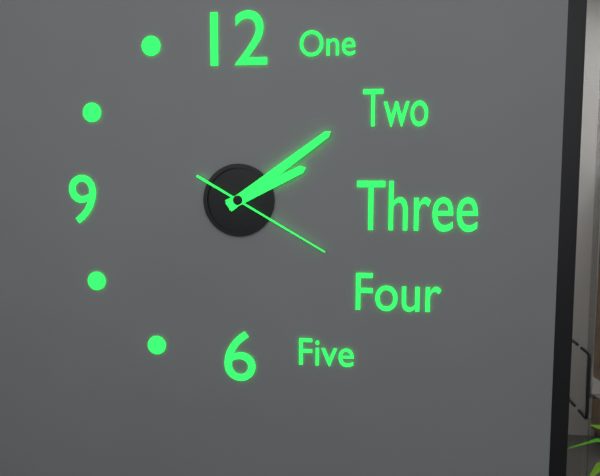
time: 2:09:20
